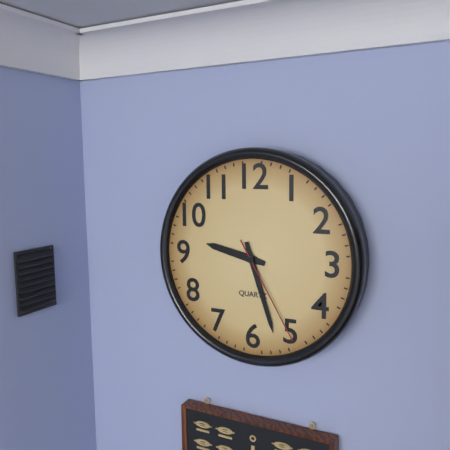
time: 9:27:25
